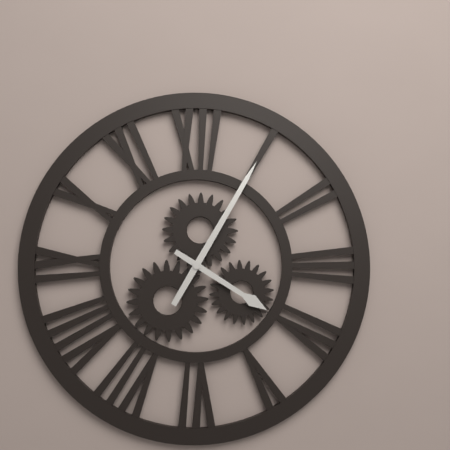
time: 4:05
